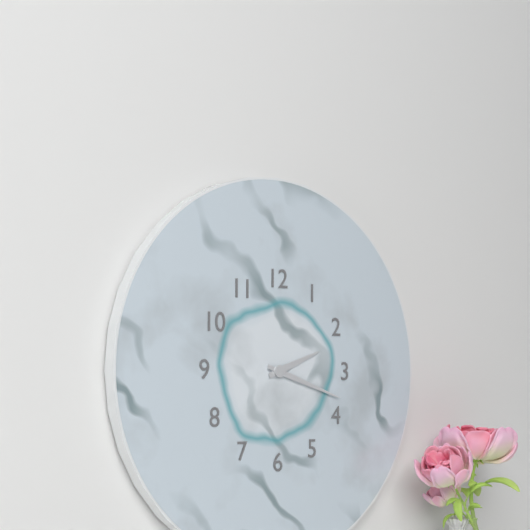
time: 2:18
